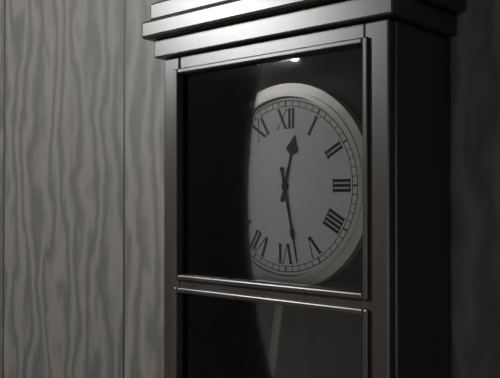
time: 12:28
